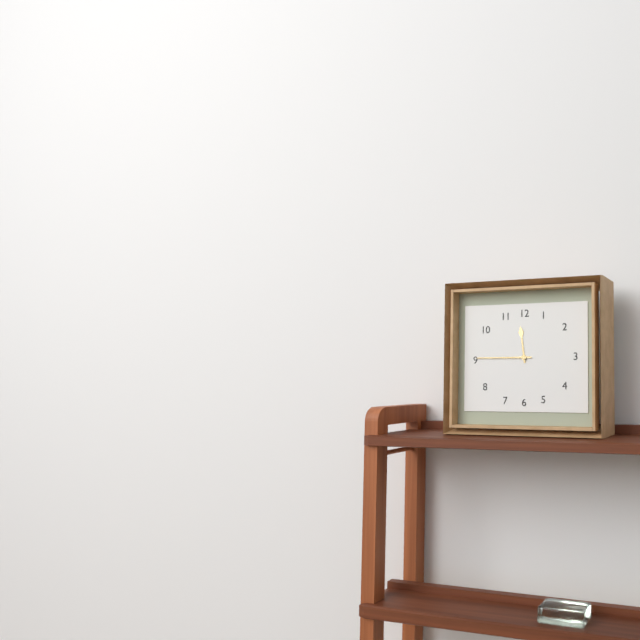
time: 11:45
